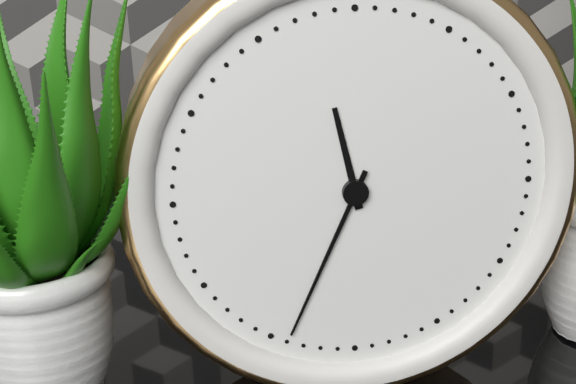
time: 11:34
